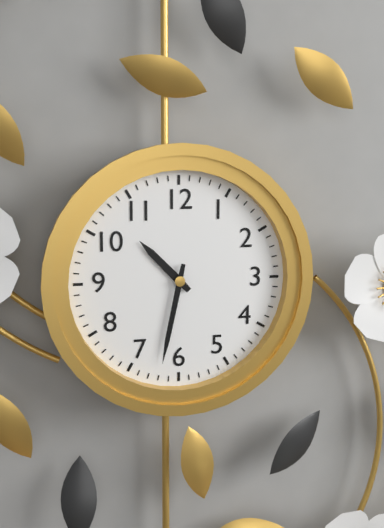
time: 10:32
